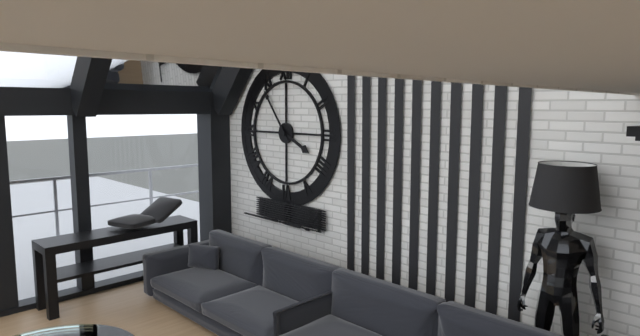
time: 3:54
